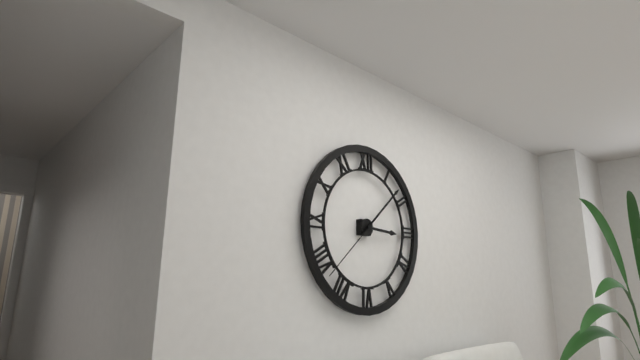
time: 3:08:38
